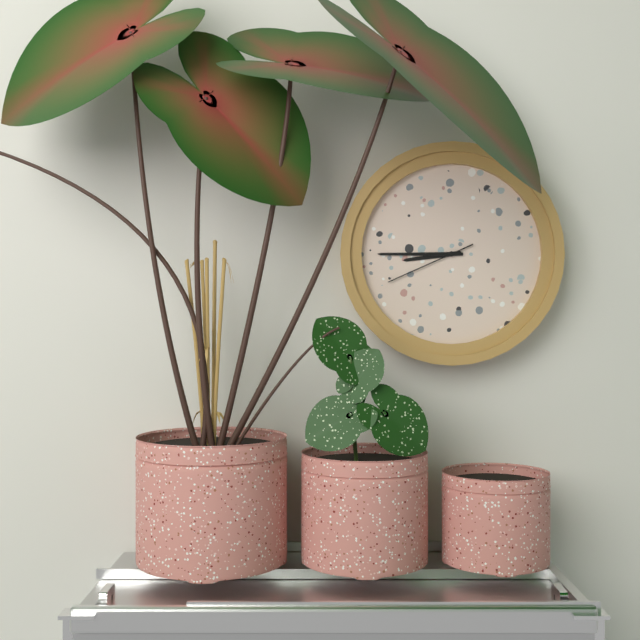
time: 8:45:41
